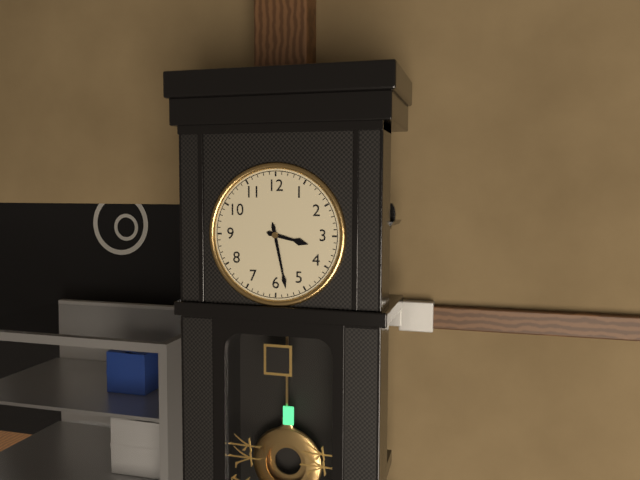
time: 3:28
